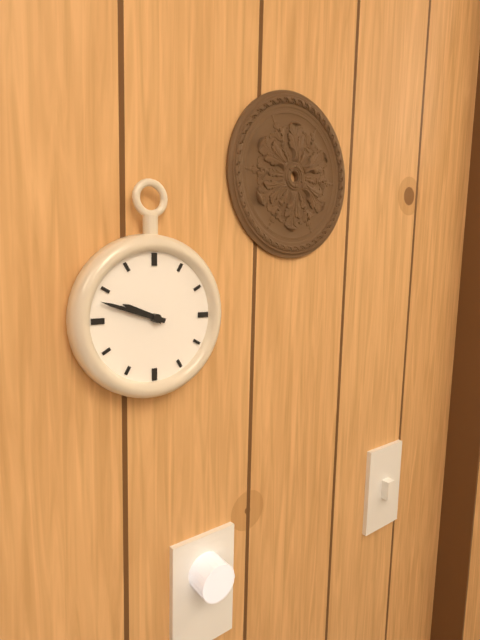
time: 9:48
